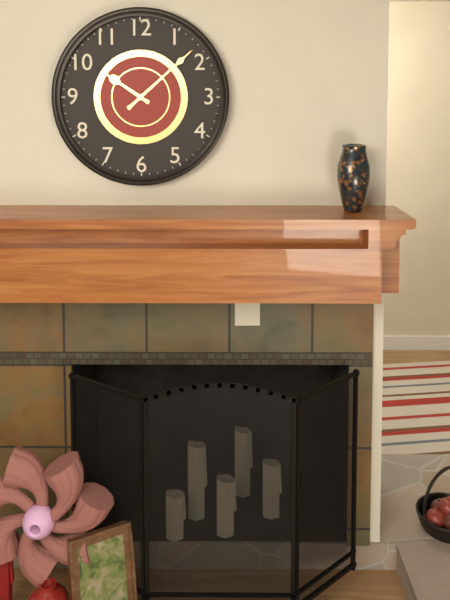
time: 10:08
